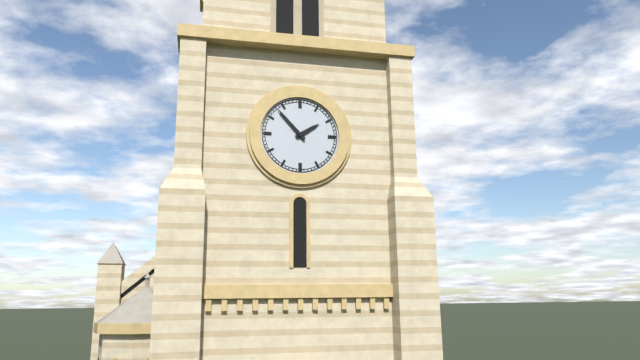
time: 1:53
